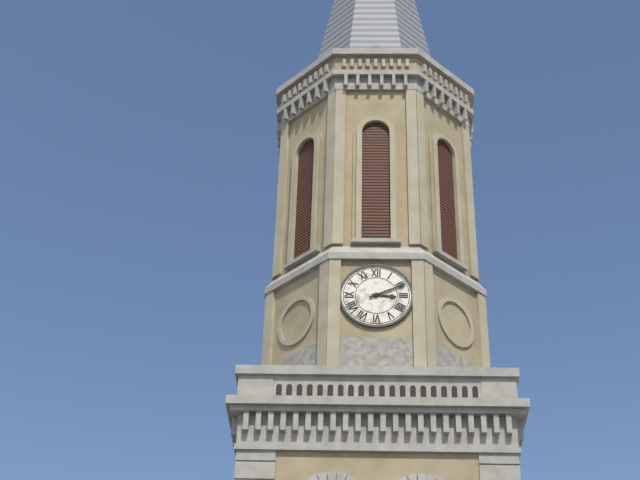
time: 3:11
